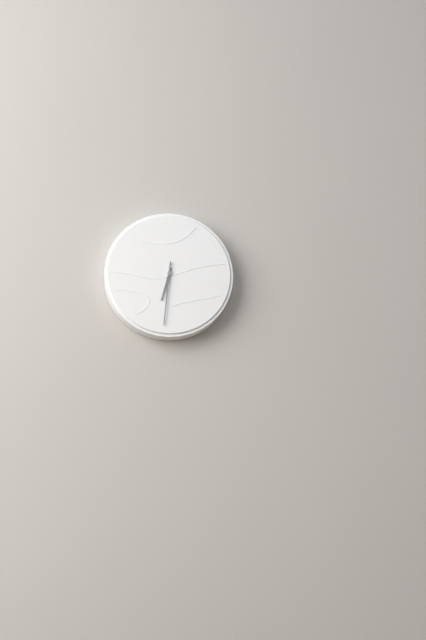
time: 6:31
